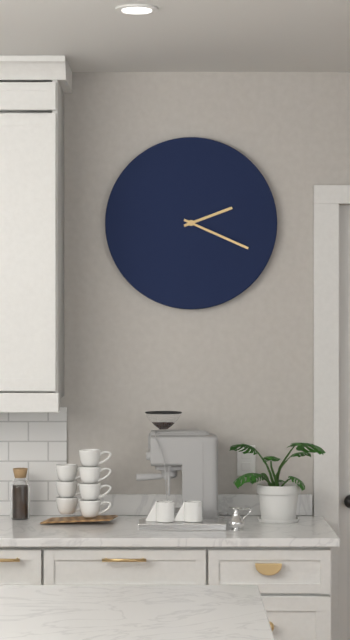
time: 2:19
